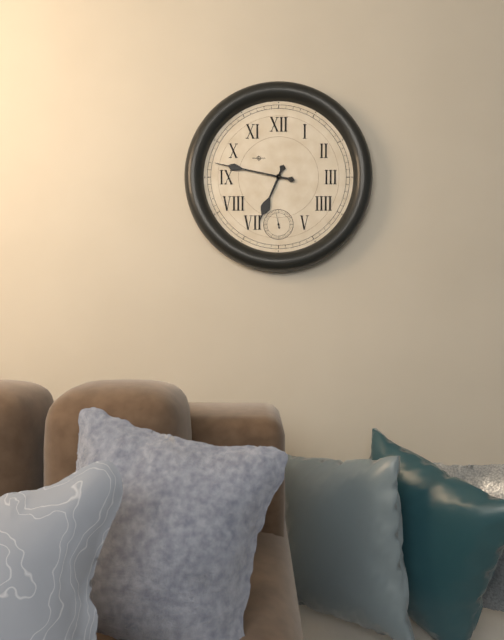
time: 6:47
